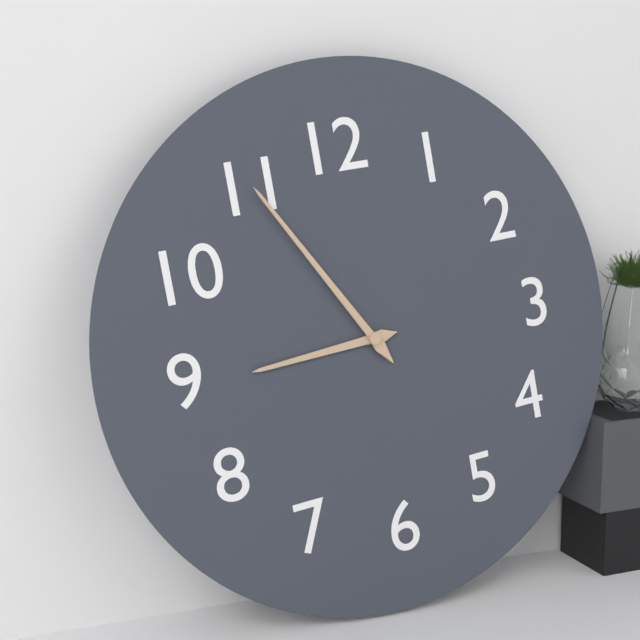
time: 8:55
